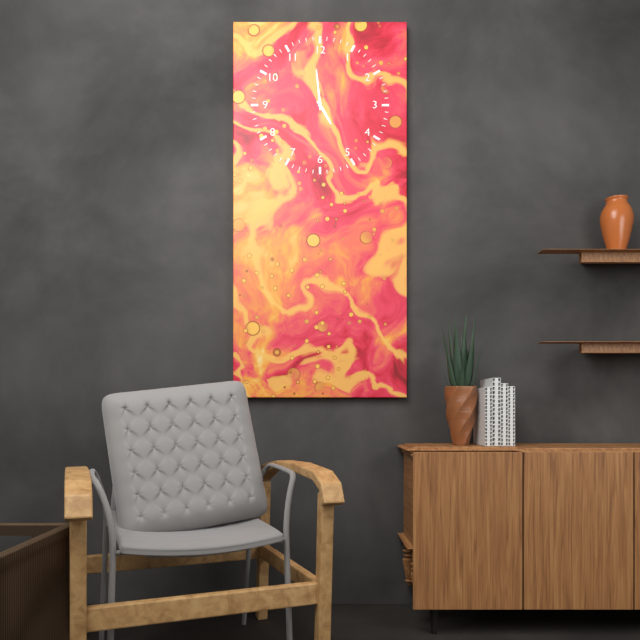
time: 4:59
